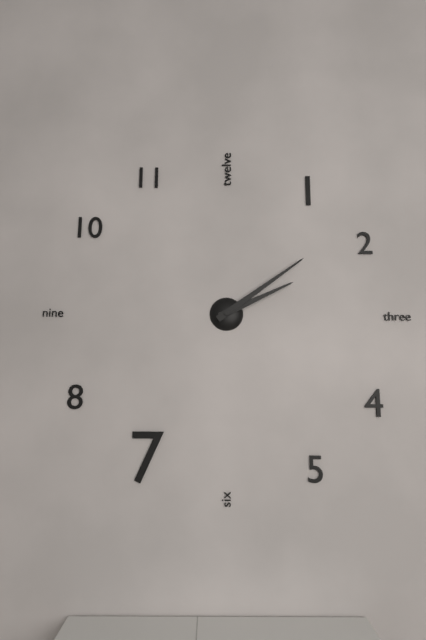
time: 2:09
